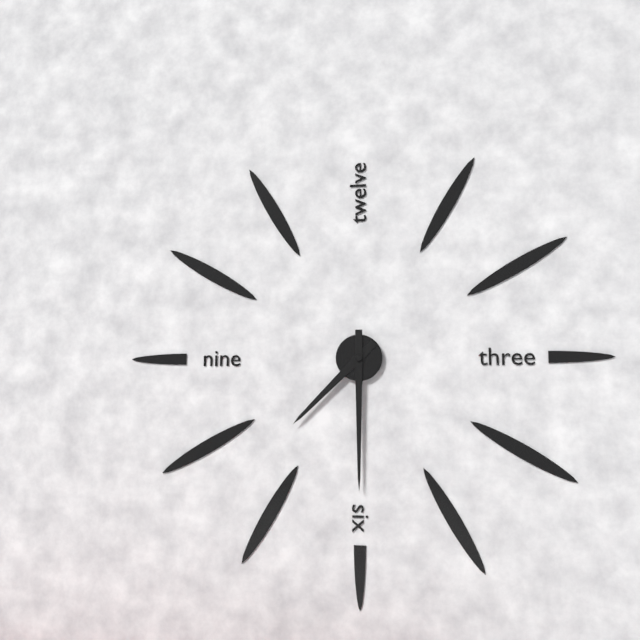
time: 7:30
